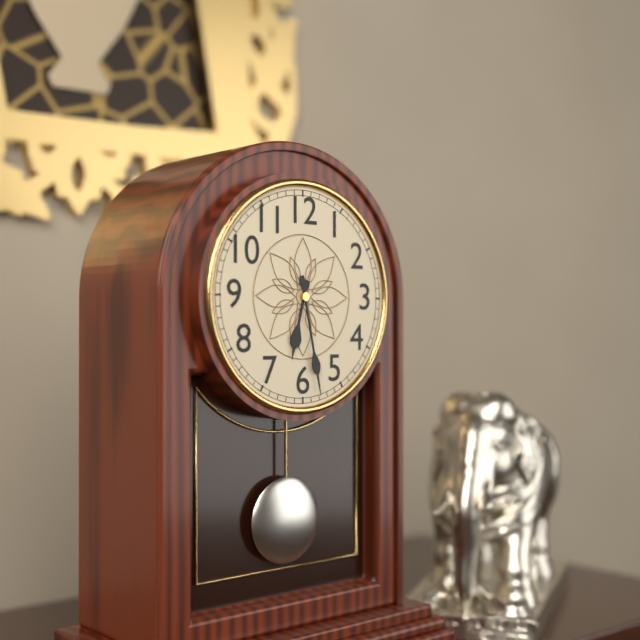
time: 6:28
